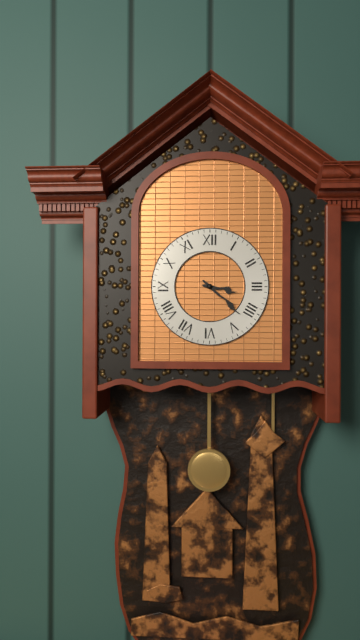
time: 3:22
